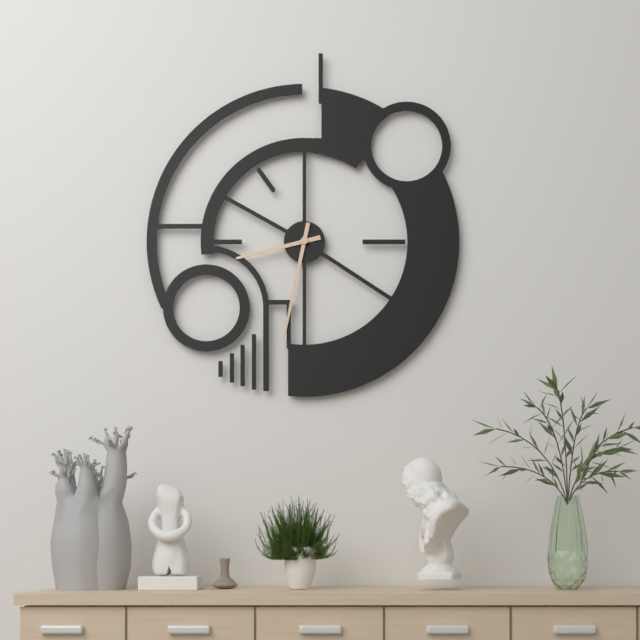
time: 8:32
